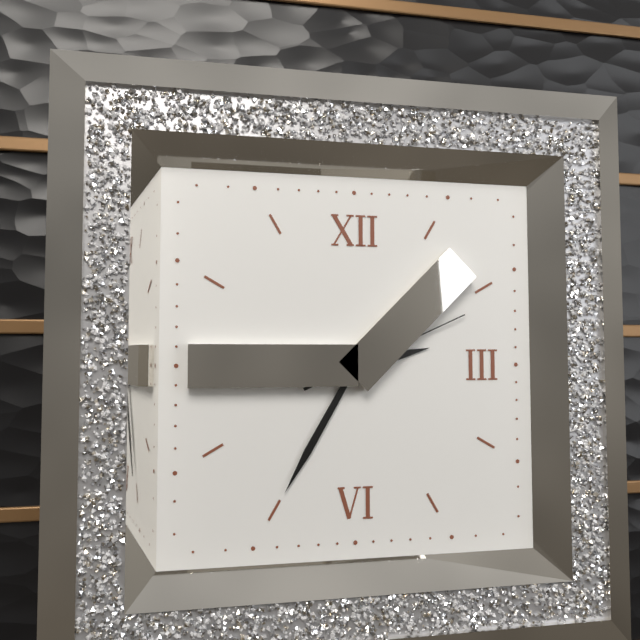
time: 2:35:11
